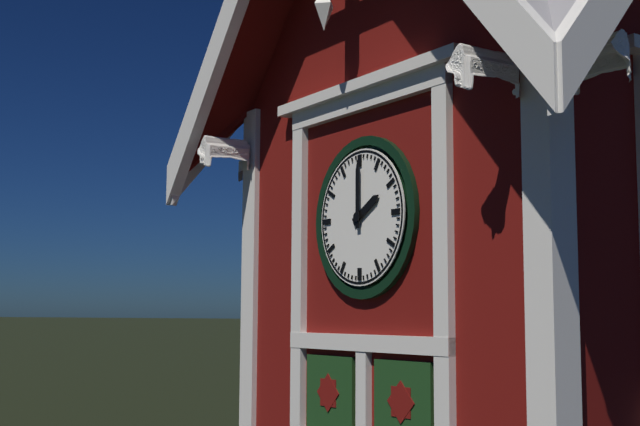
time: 2:00
